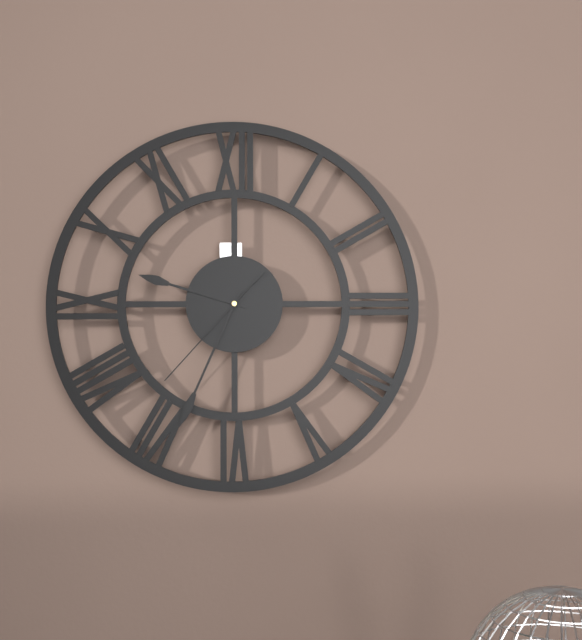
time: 9:34:37
